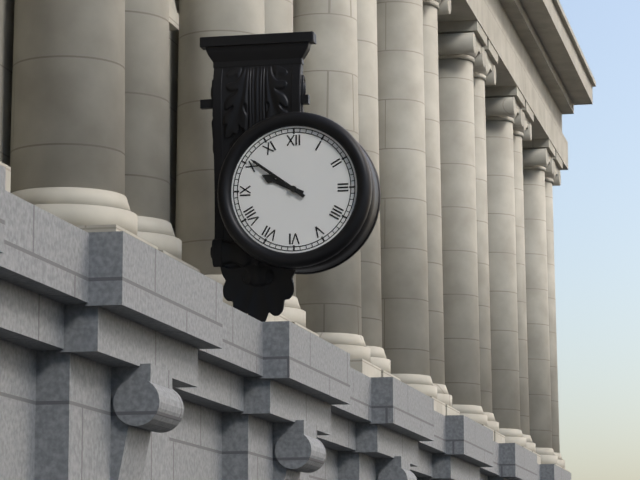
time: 9:51
